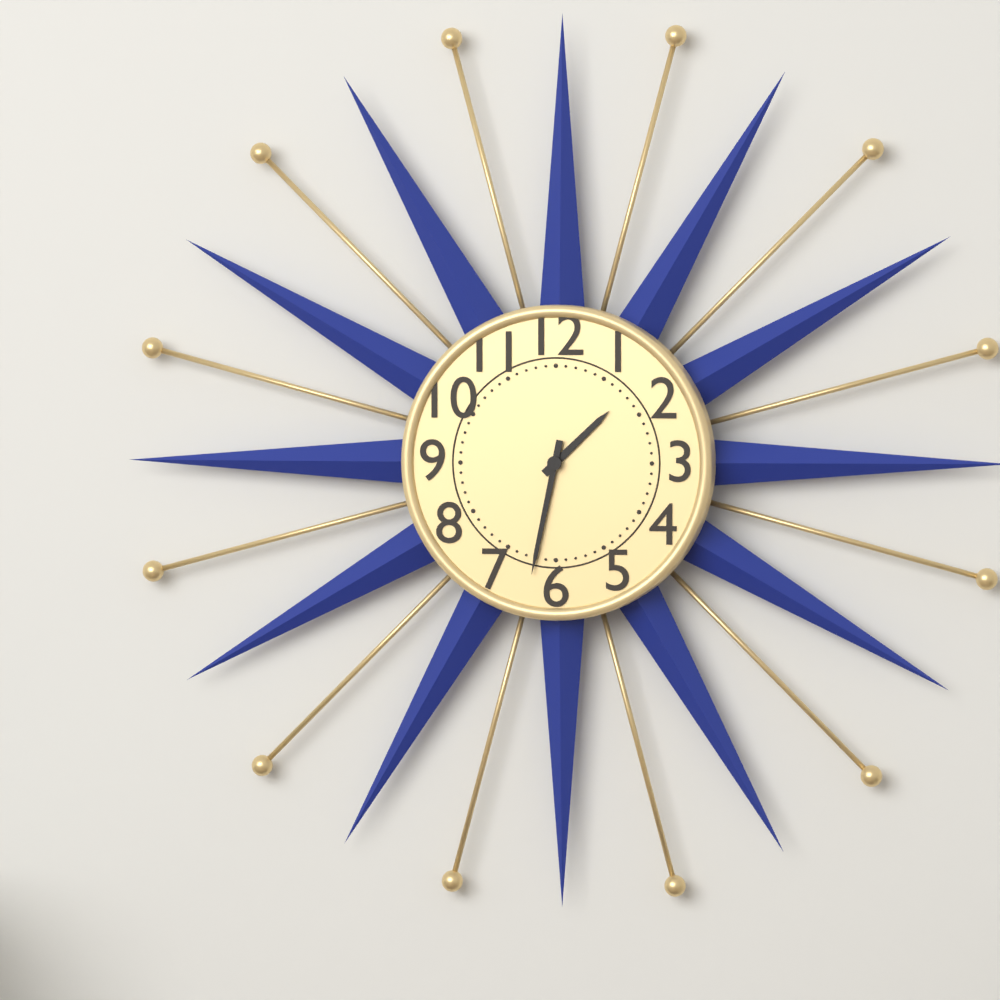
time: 1:32
